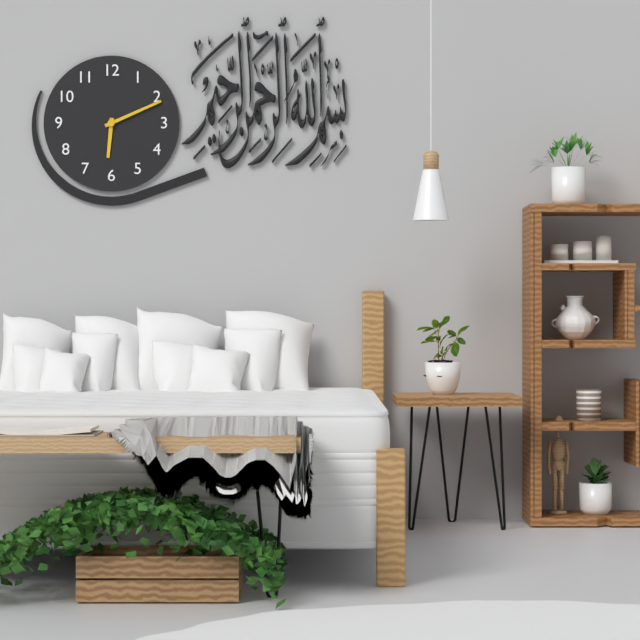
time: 6:11
